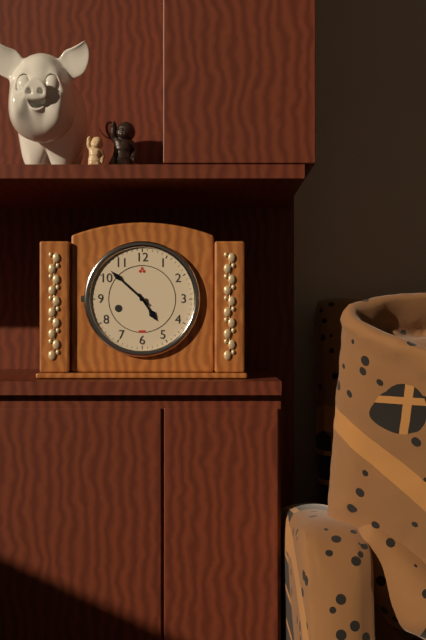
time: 4:52
